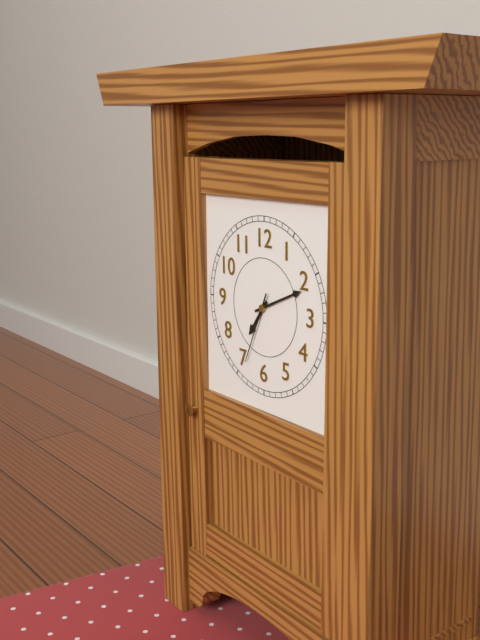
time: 7:11:34
